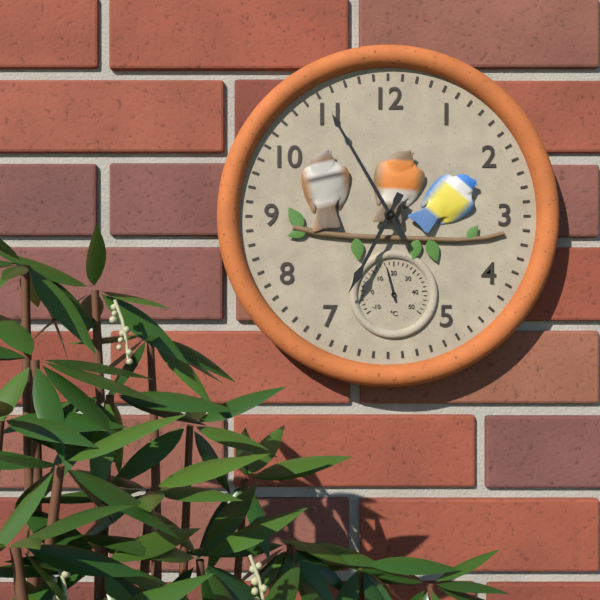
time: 6:55
